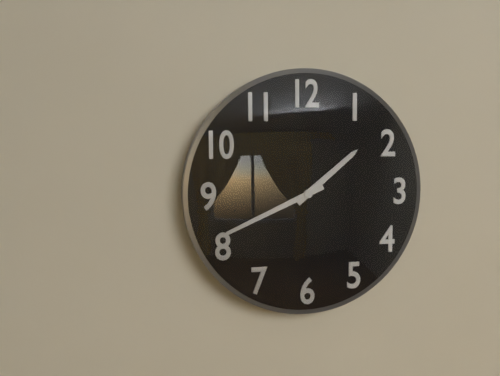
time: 1:41
